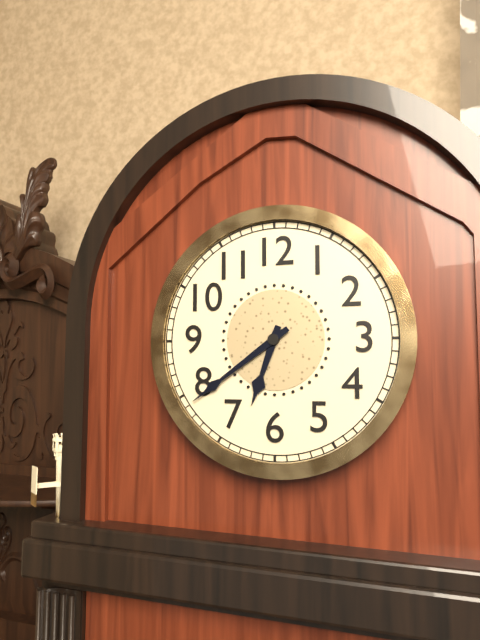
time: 6:39
